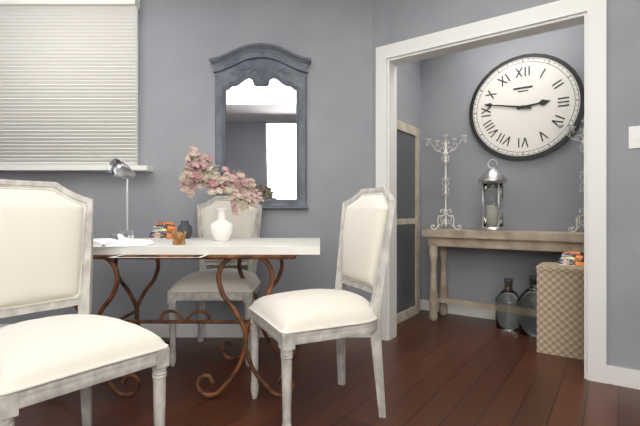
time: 2:47
